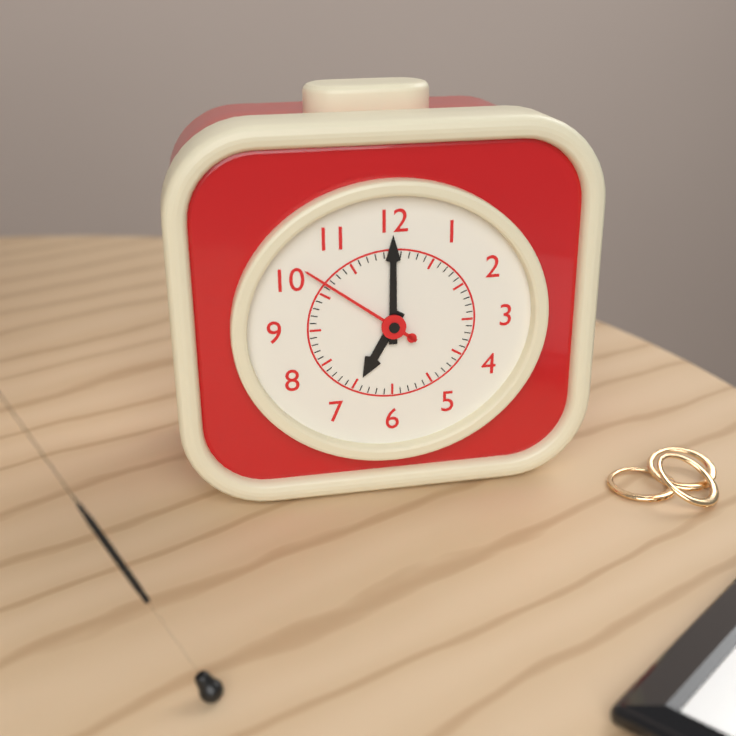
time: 7:00:51
